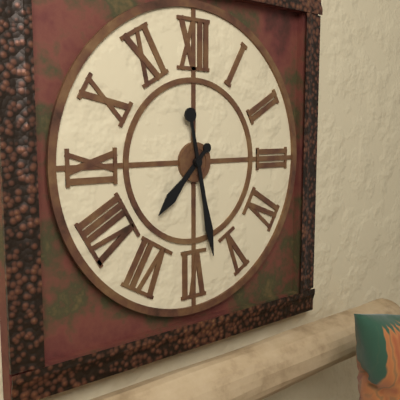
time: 7:28
